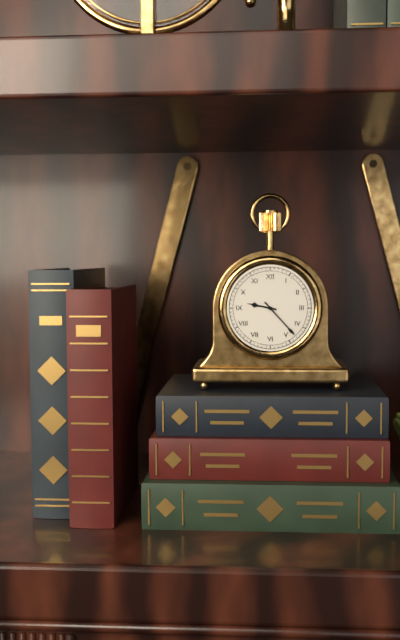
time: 9:23
